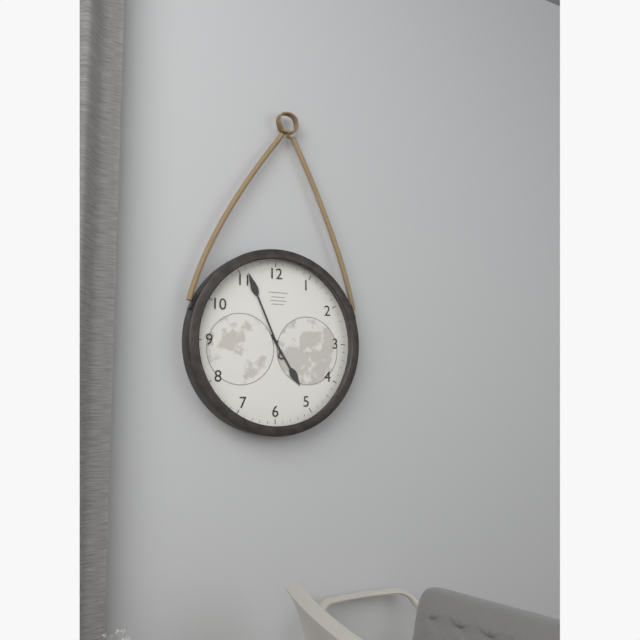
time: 4:56
